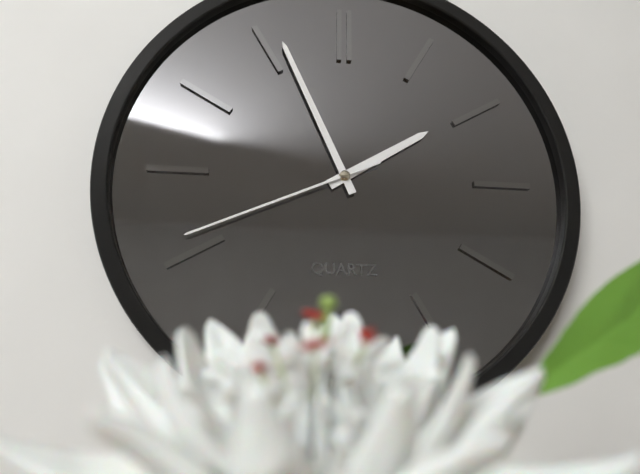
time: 1:56:41
